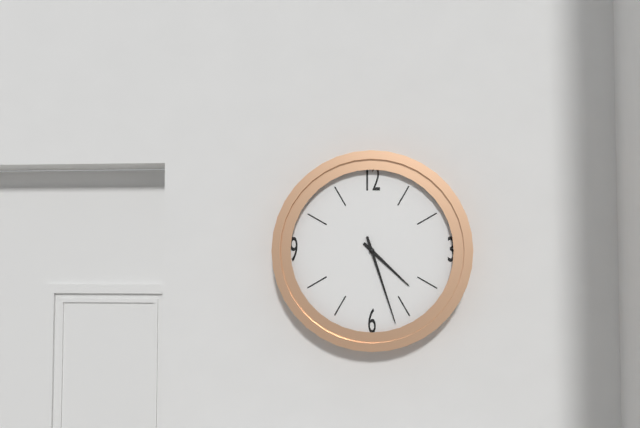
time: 4:27
